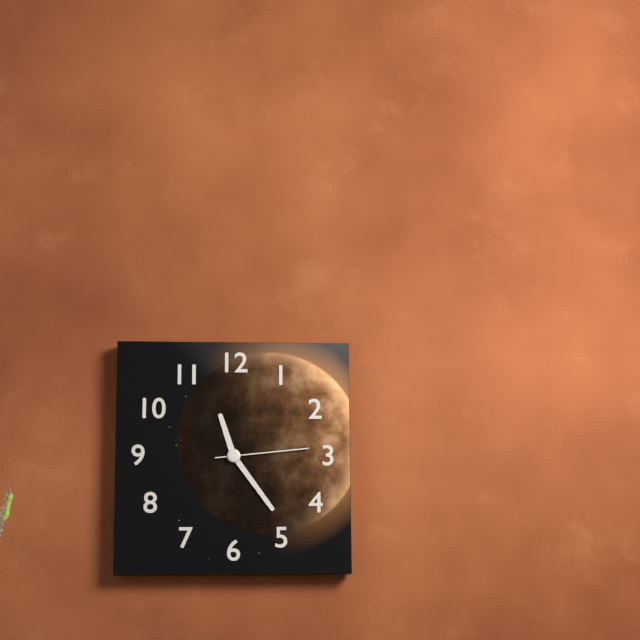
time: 11:24:14
